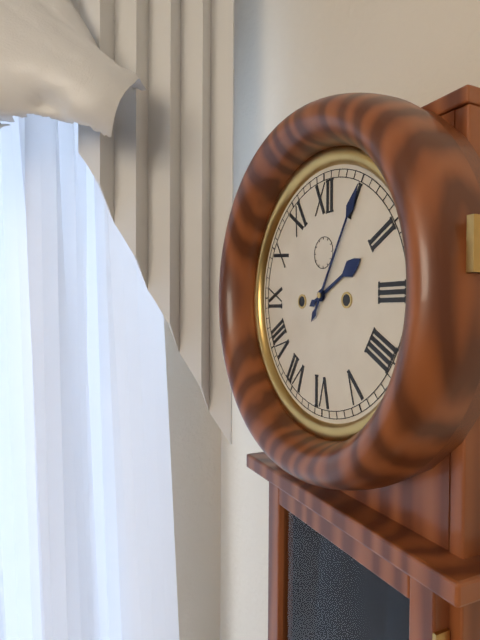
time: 2:05
